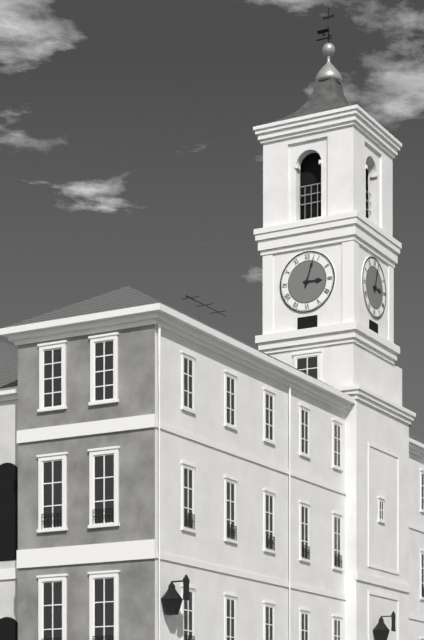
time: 3:03
